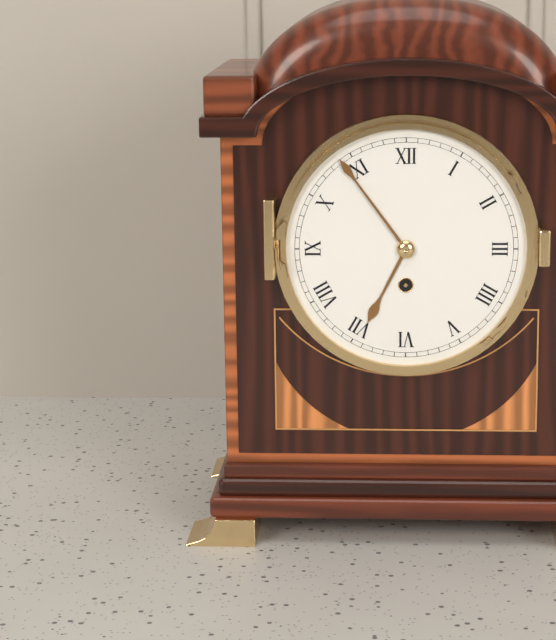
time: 6:54
